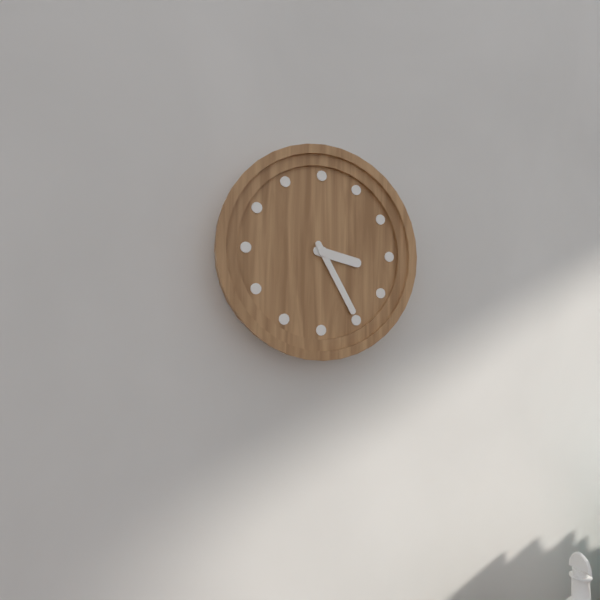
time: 3:25
